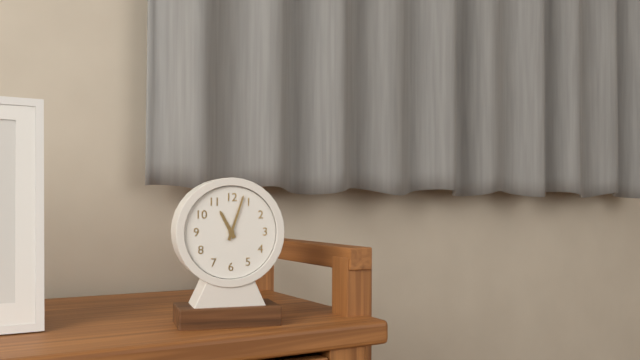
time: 11:03
